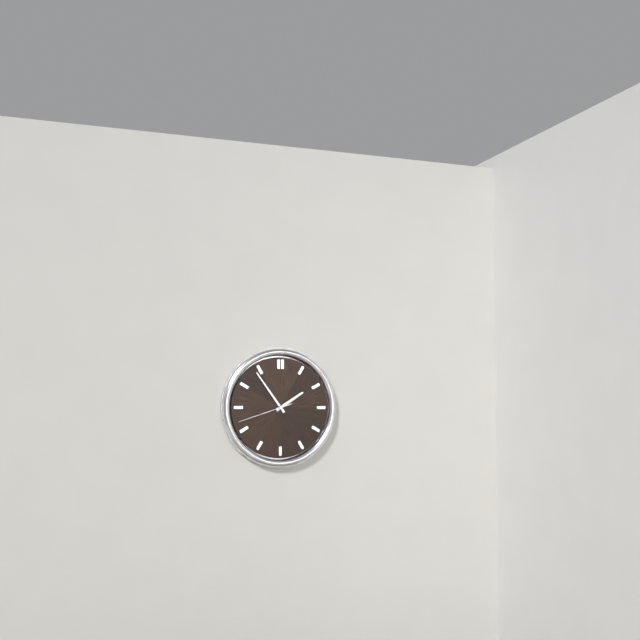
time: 1:54:42
